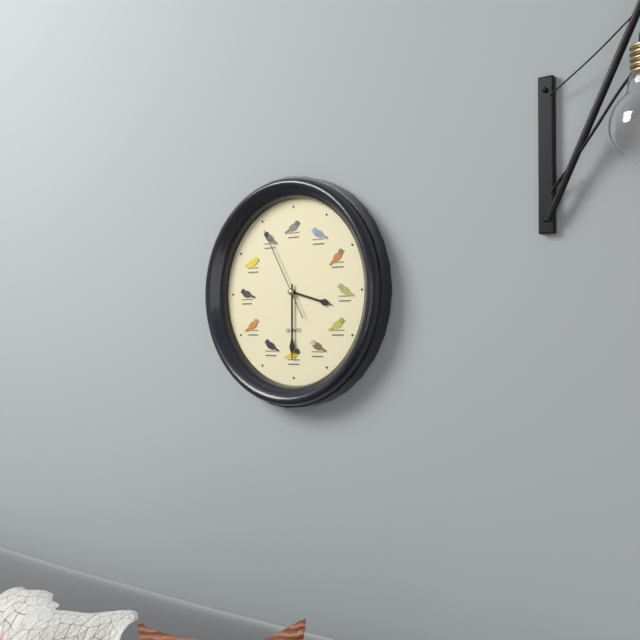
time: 3:30:55
